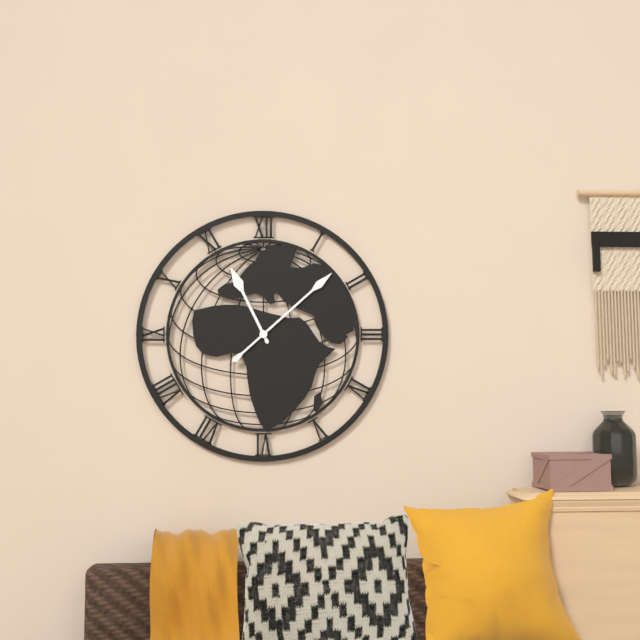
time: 11:08
